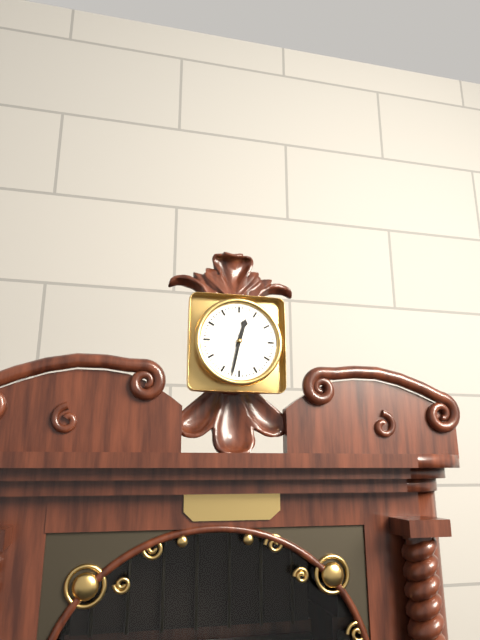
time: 12:32
